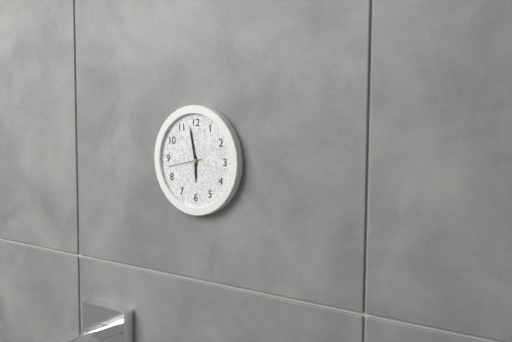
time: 5:58
